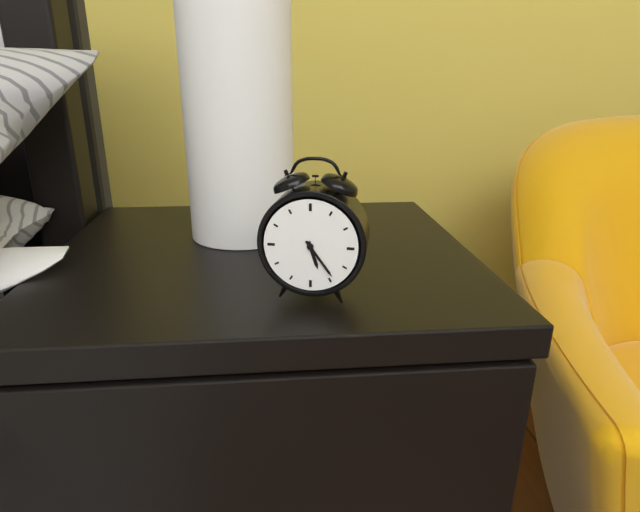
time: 5:24
